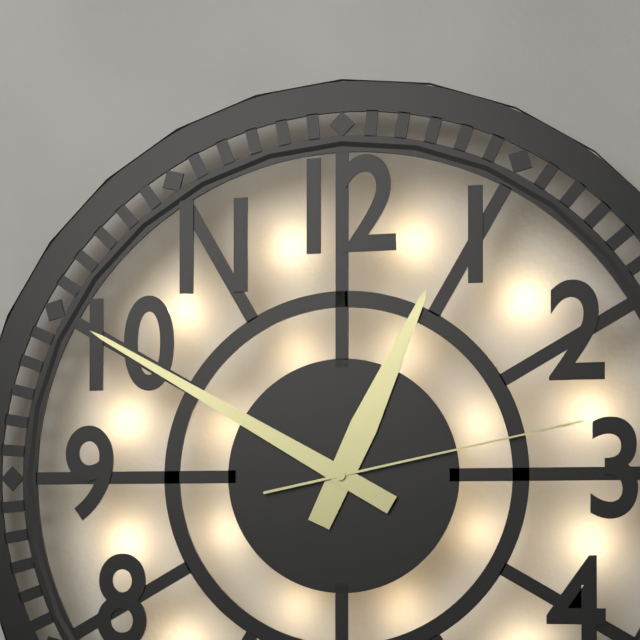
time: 12:50:13
